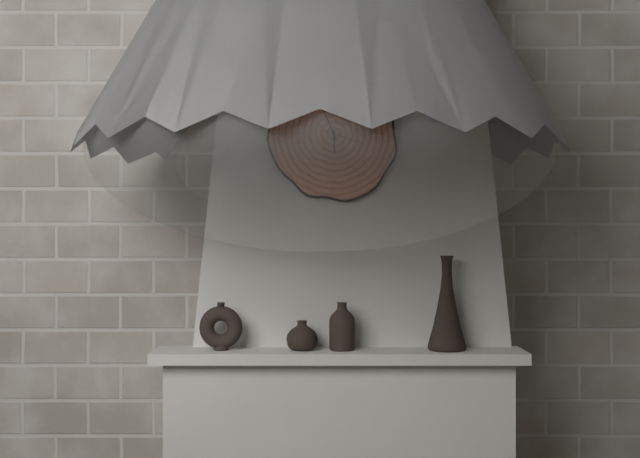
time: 5:56
